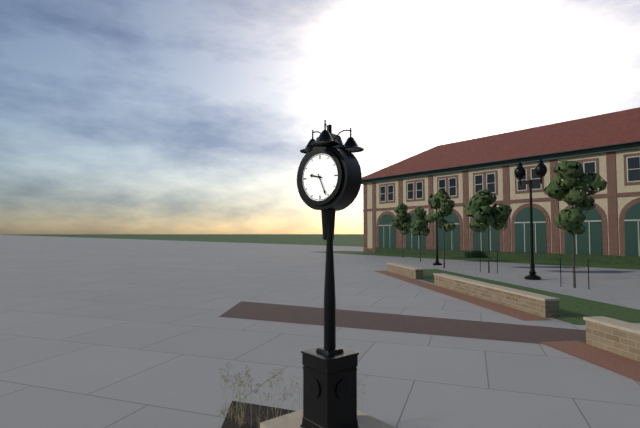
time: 9:26
